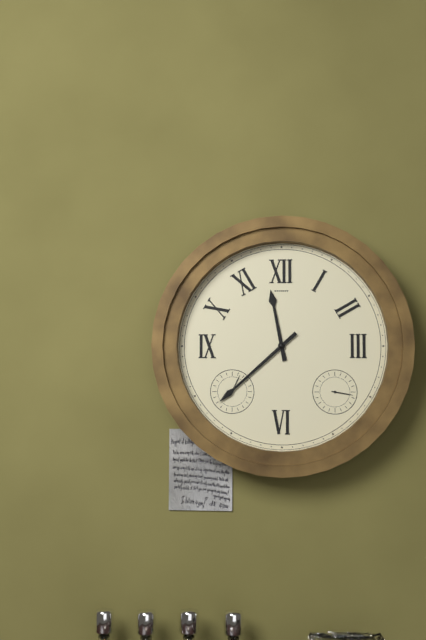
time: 11:38
